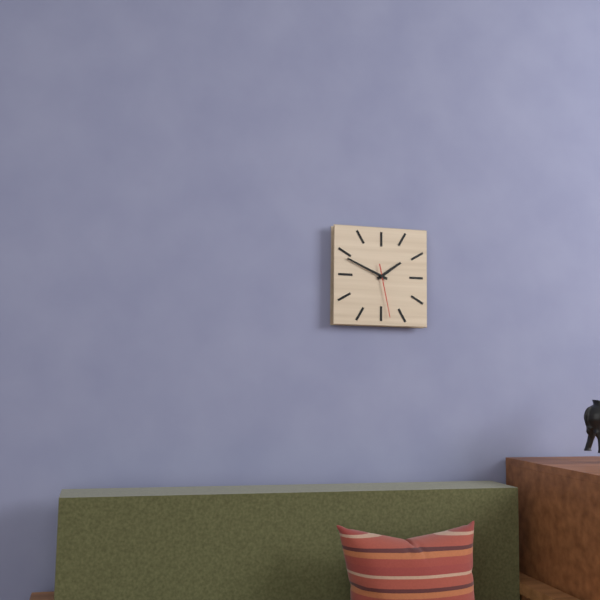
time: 1:49:28
